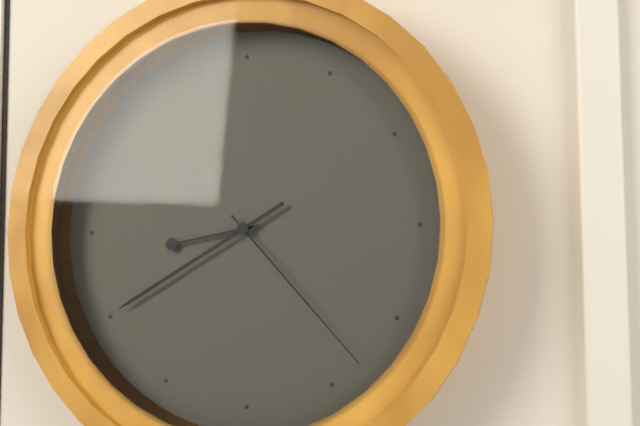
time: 8:40:23
